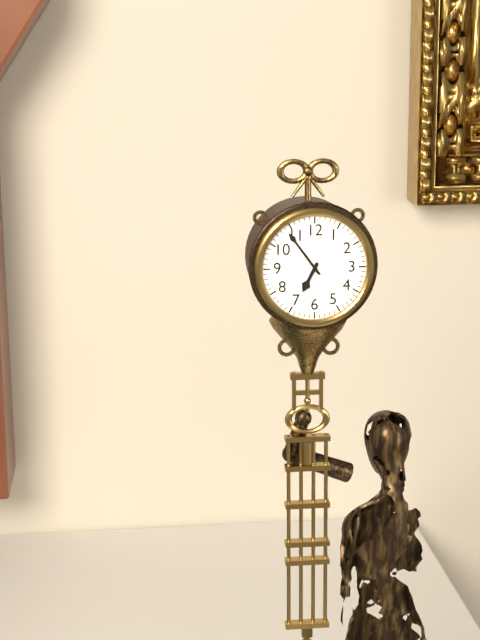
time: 6:54
